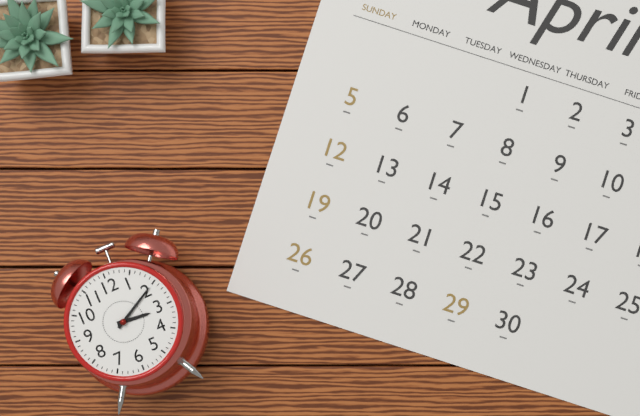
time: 3:10
